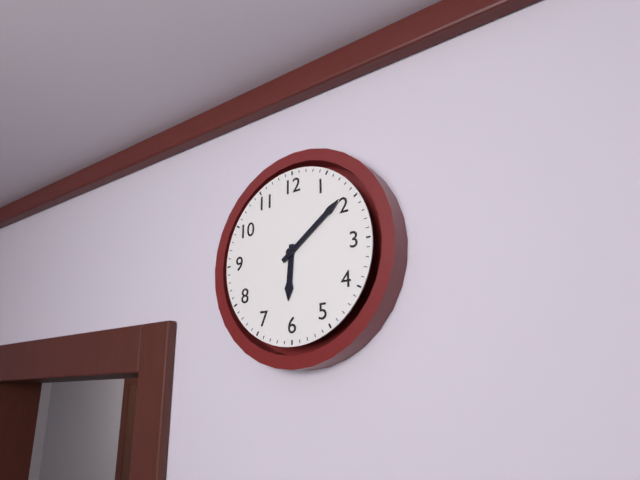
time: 6:09
